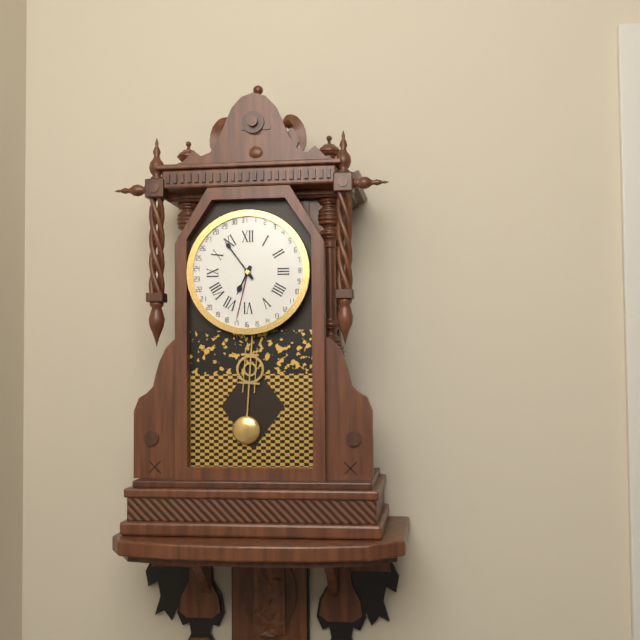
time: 6:54
